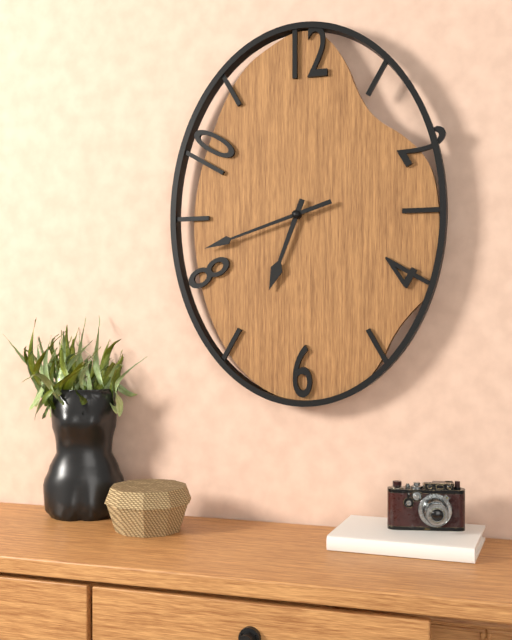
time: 6:42
